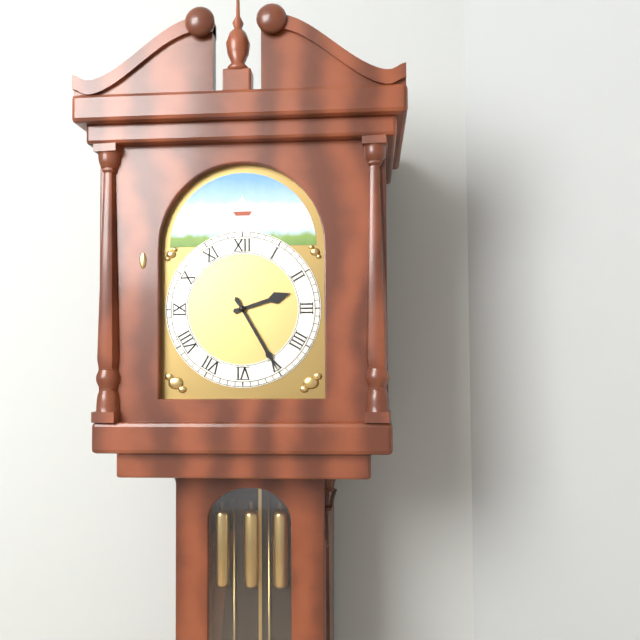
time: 2:25
